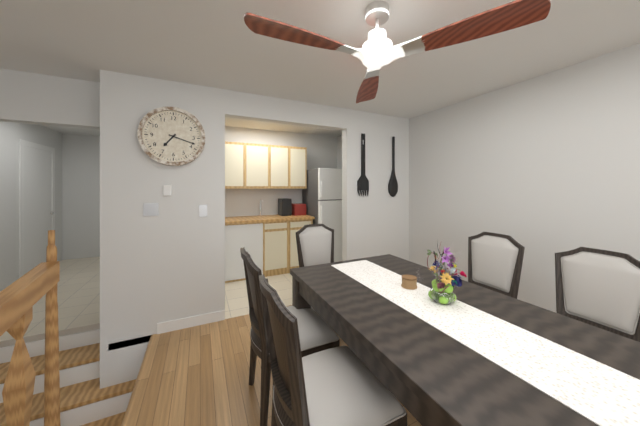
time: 7:18
